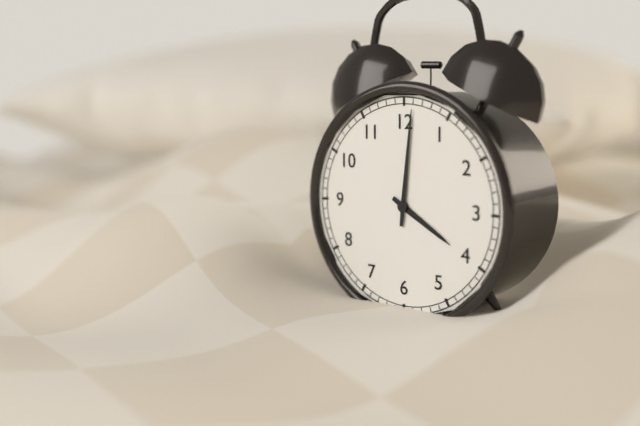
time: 4:01
